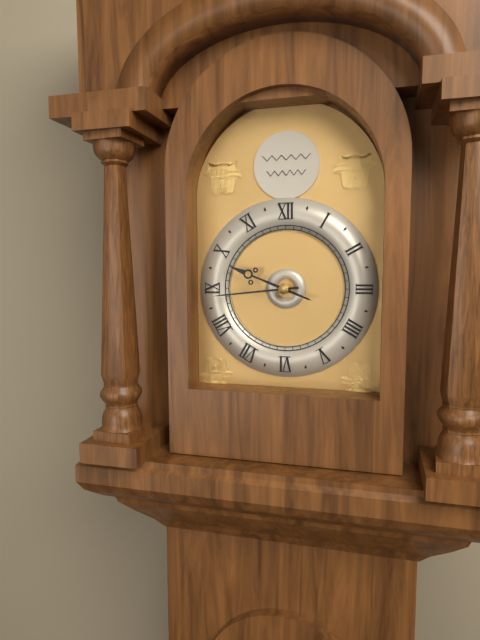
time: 9:44
